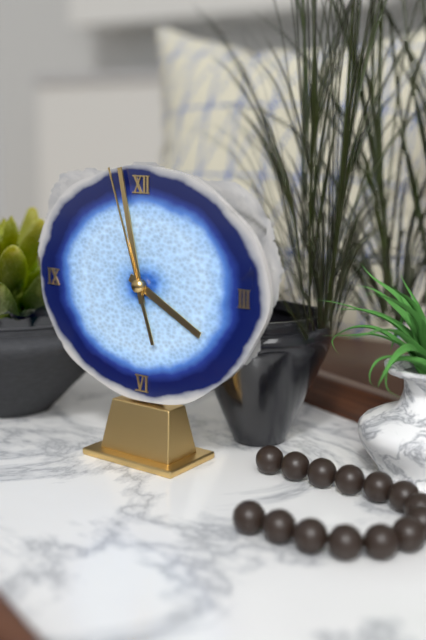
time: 3:58:57
